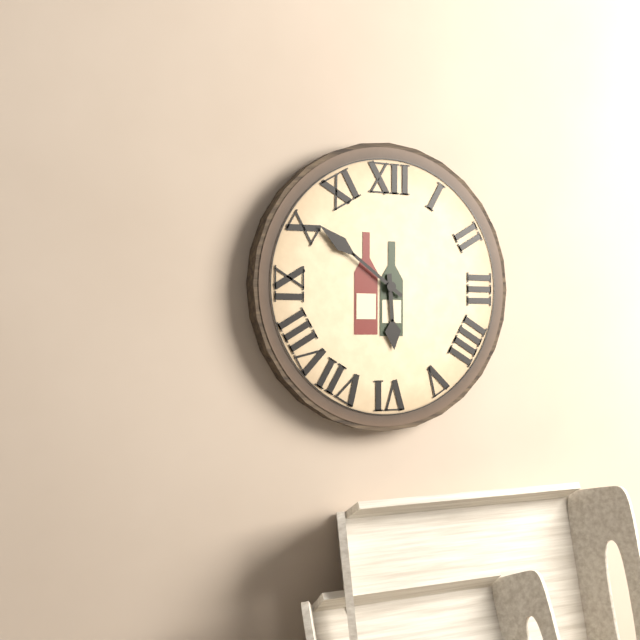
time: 5:51
